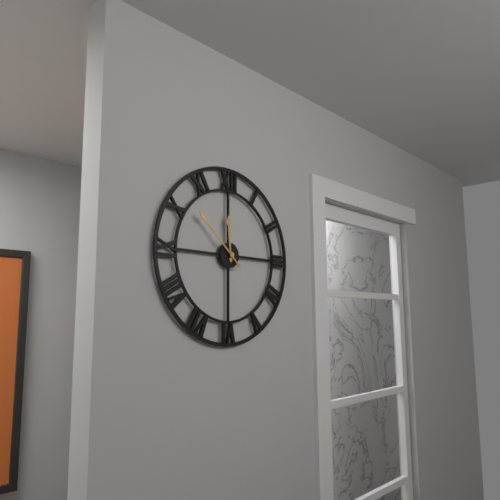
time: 11:52
